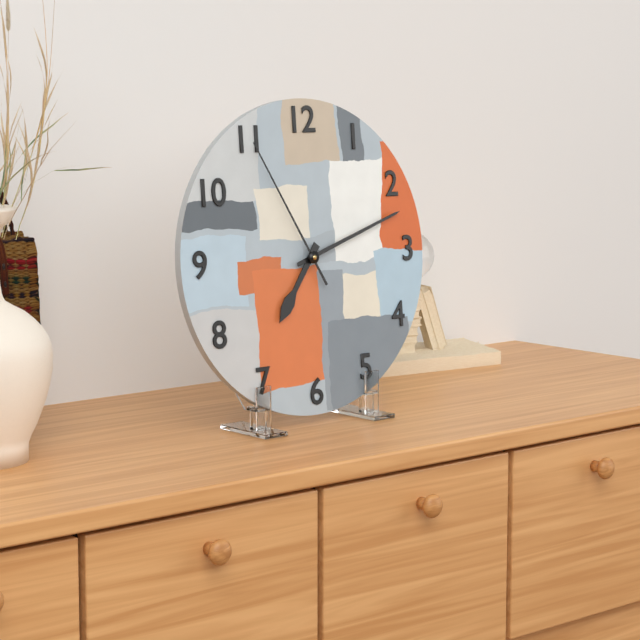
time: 7:12:55
